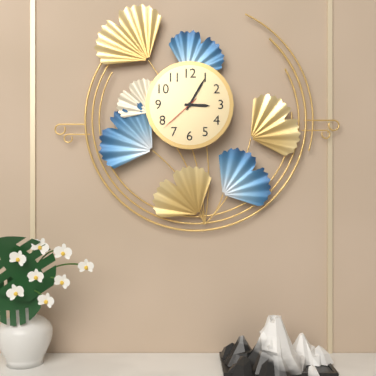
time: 3:05
